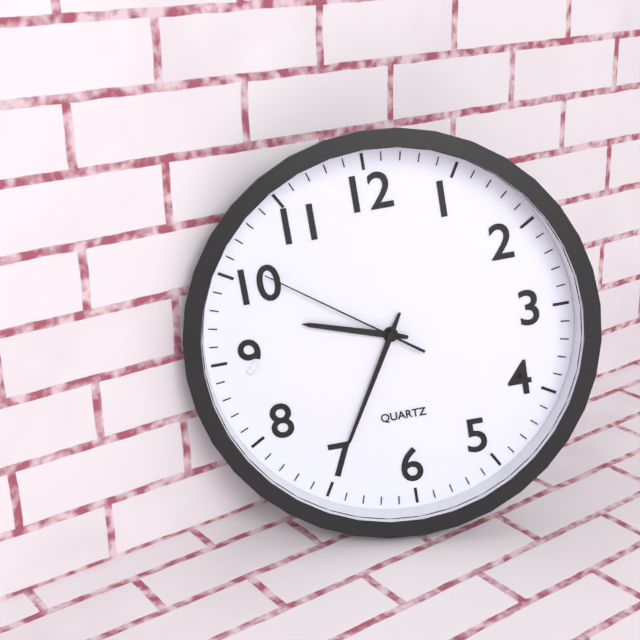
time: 9:35:51
